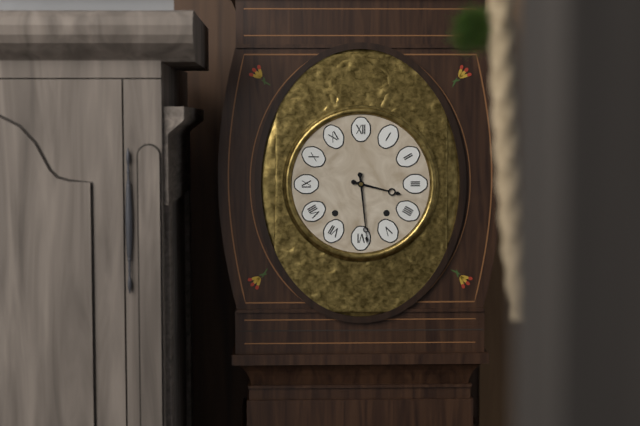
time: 3:29
